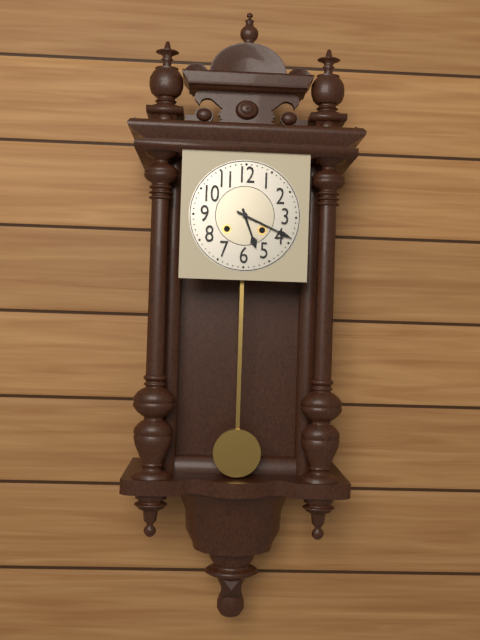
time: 5:19
